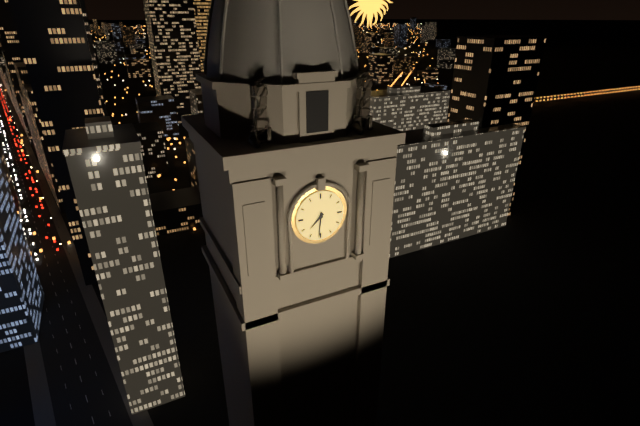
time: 7:31
